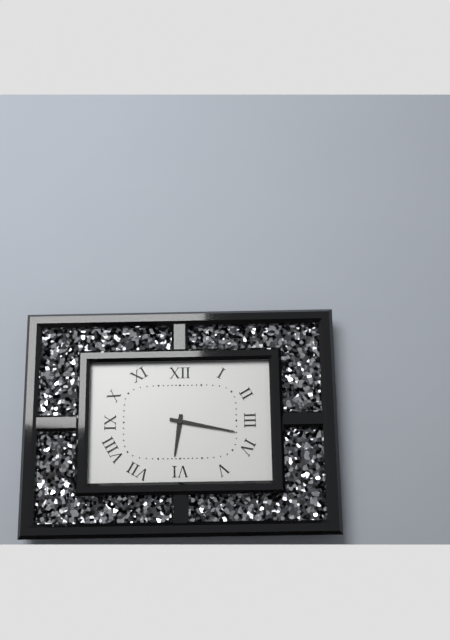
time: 6:17
